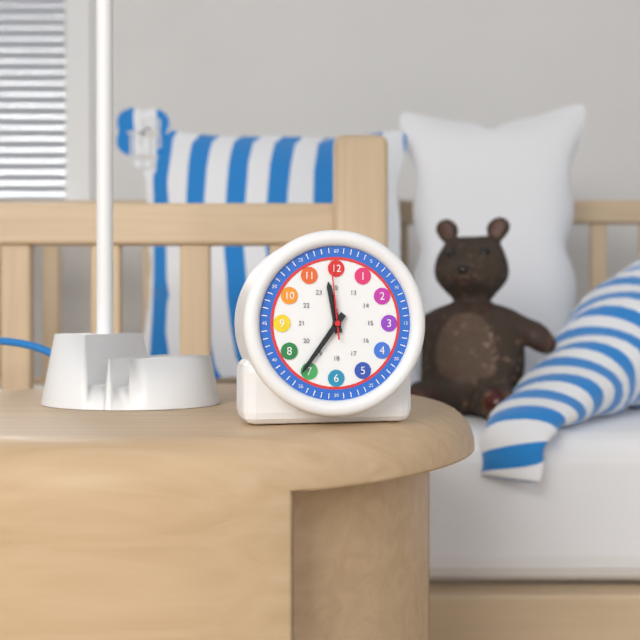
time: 11:36:59
